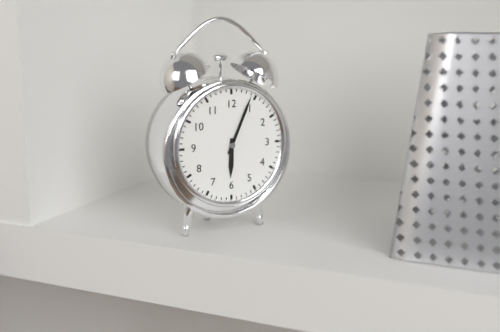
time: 6:04
